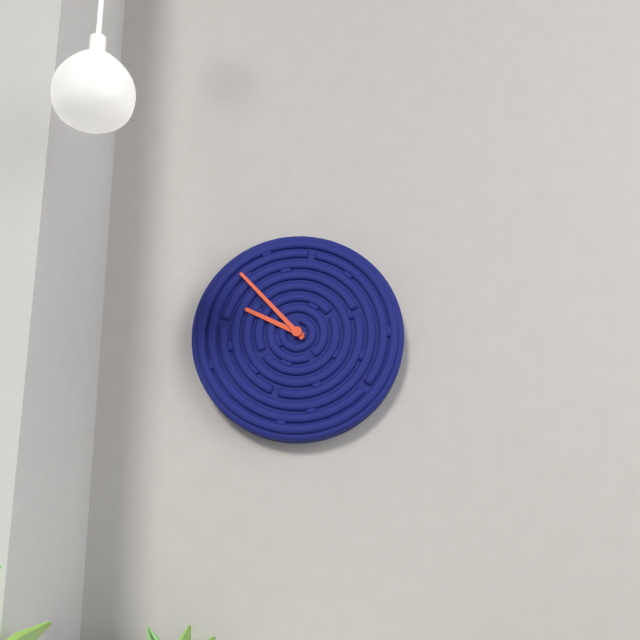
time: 9:53
